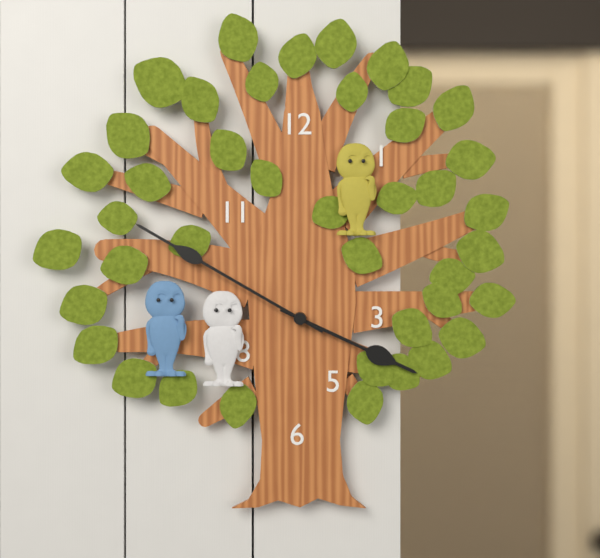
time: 3:50
